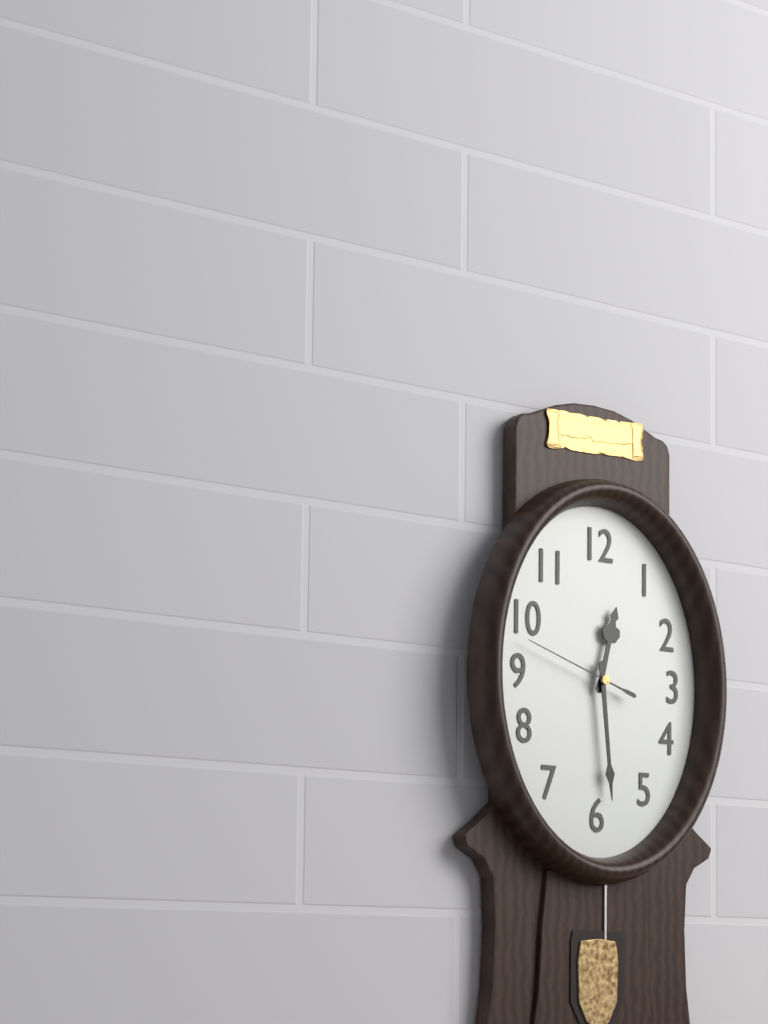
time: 12:29:48
